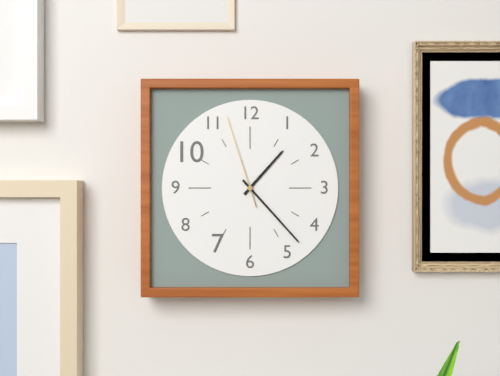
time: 1:23:57
